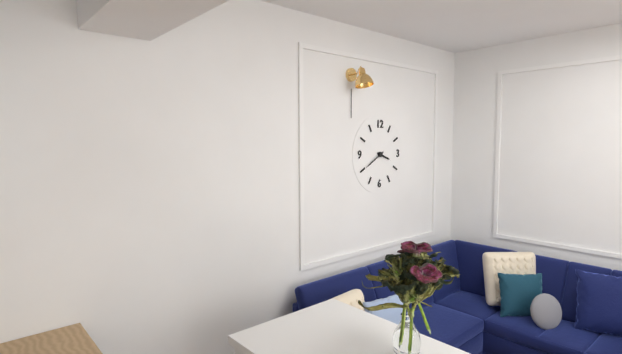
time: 3:40
